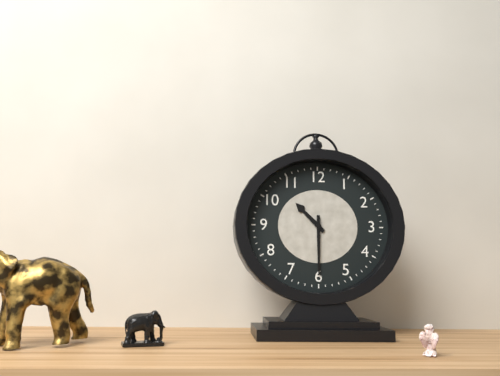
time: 10:30
